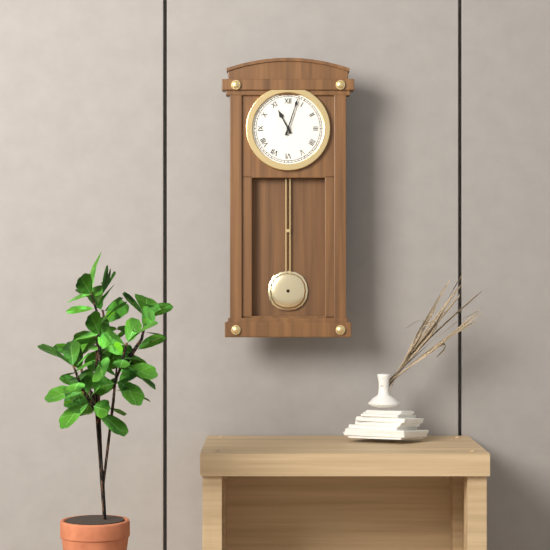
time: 11:03
